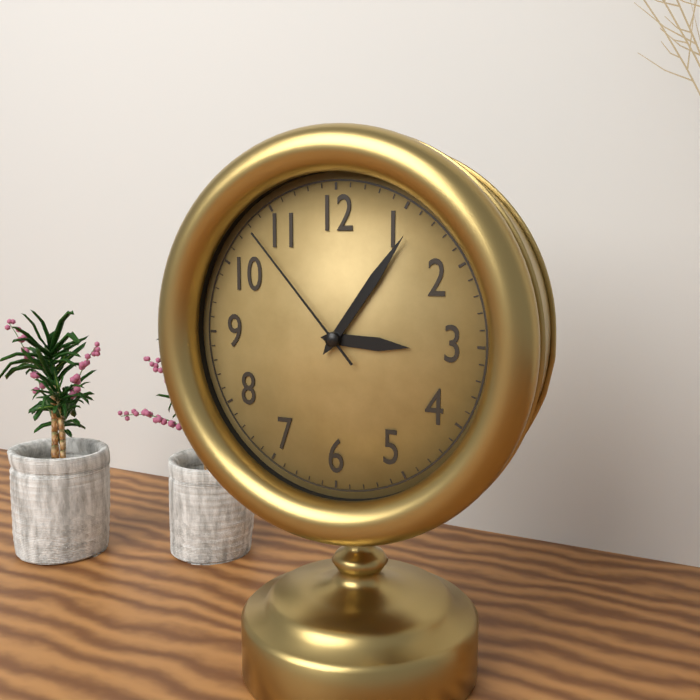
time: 3:06:53
